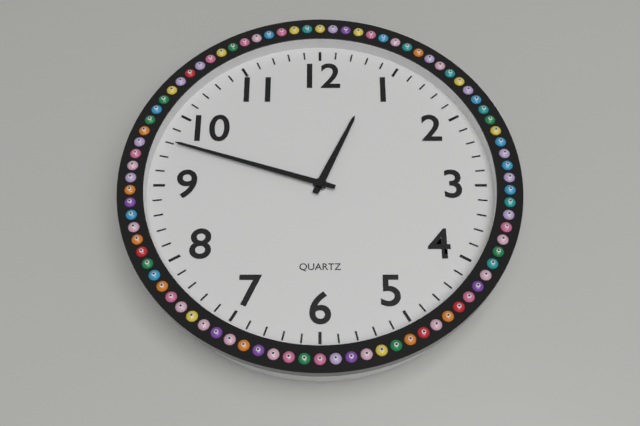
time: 12:48
